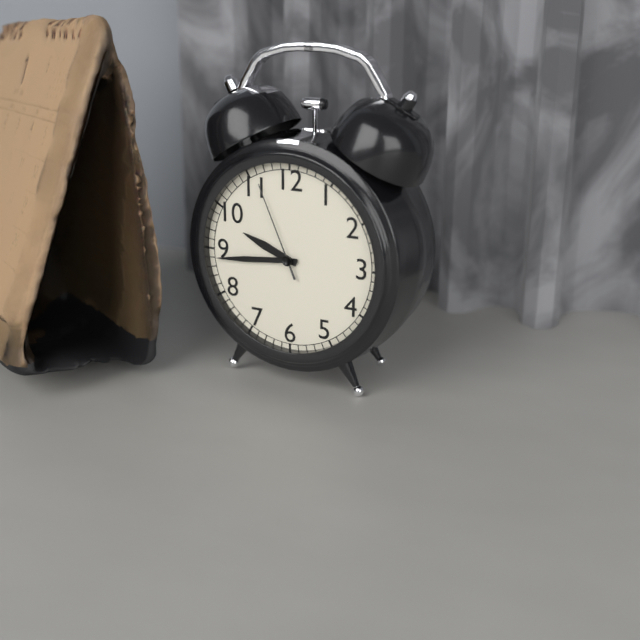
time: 9:44:56
